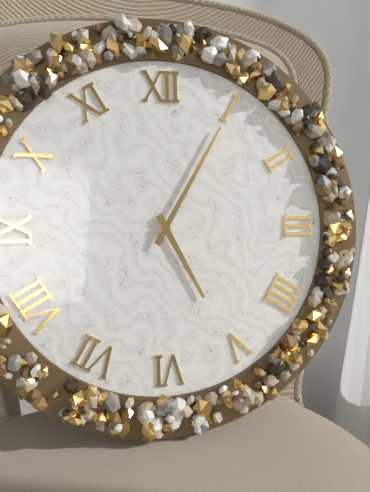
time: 5:05
